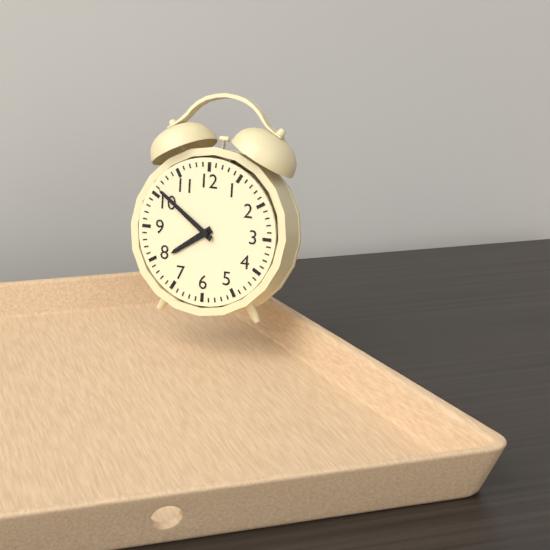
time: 7:51
